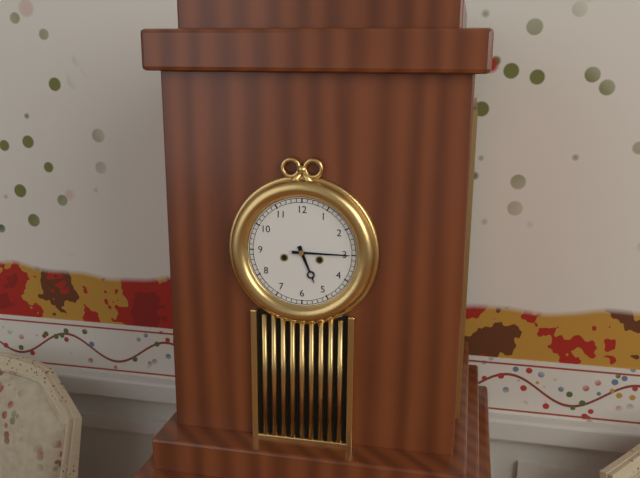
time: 5:15
